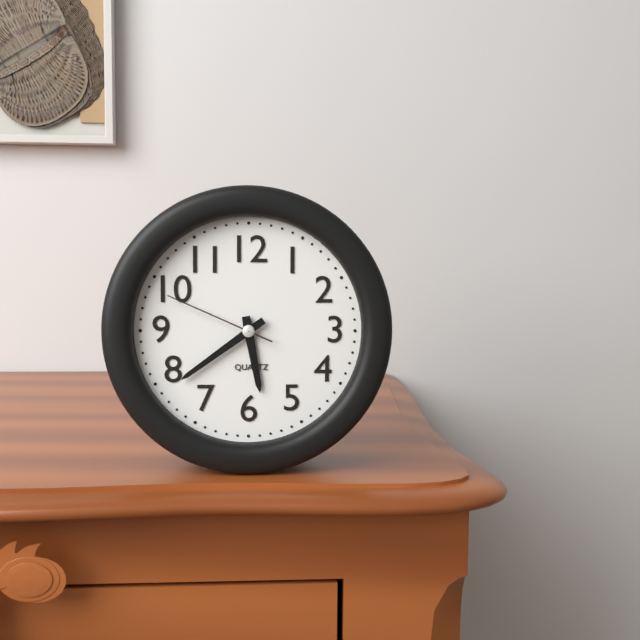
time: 5:39:49
